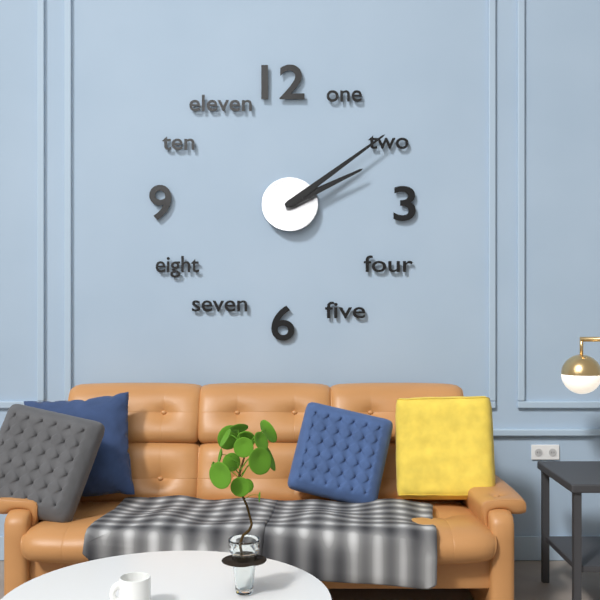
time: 2:09
